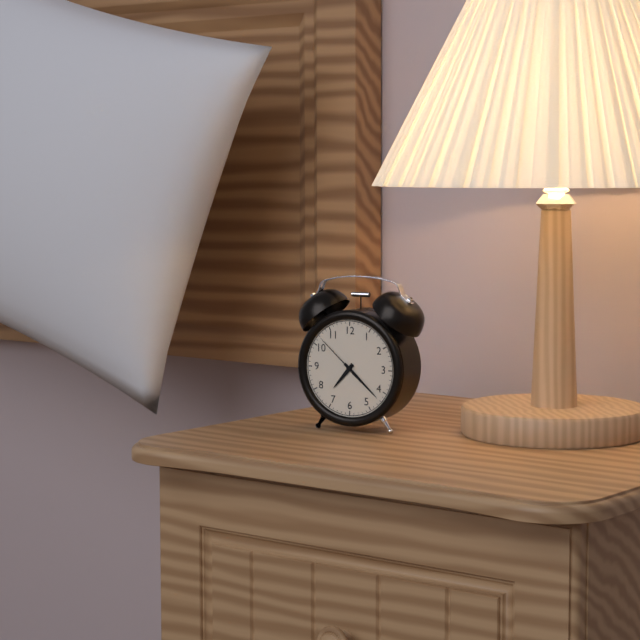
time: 7:22:52
